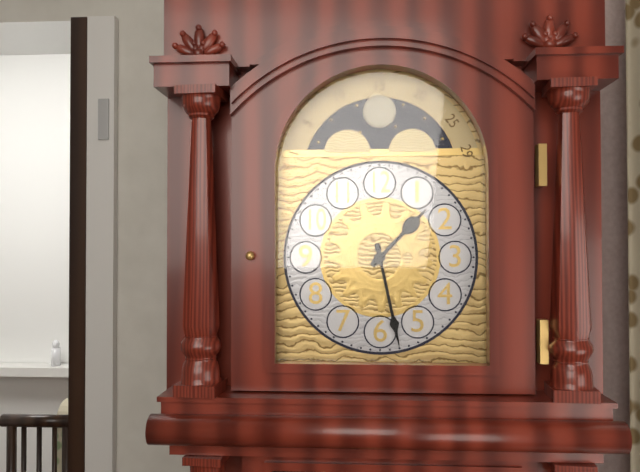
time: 1:28
